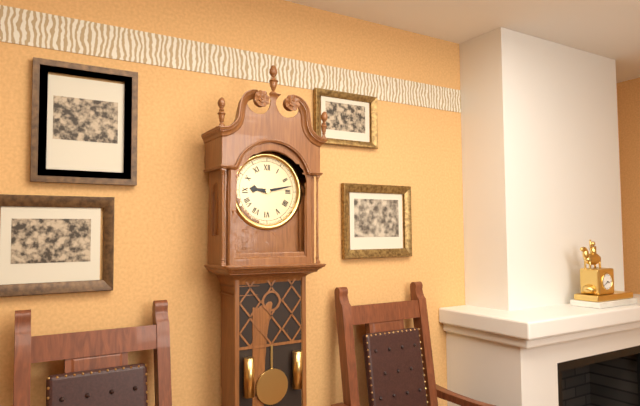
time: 9:13
